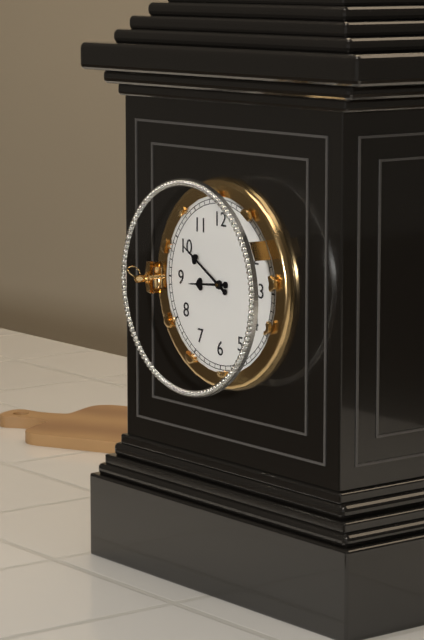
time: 8:50
